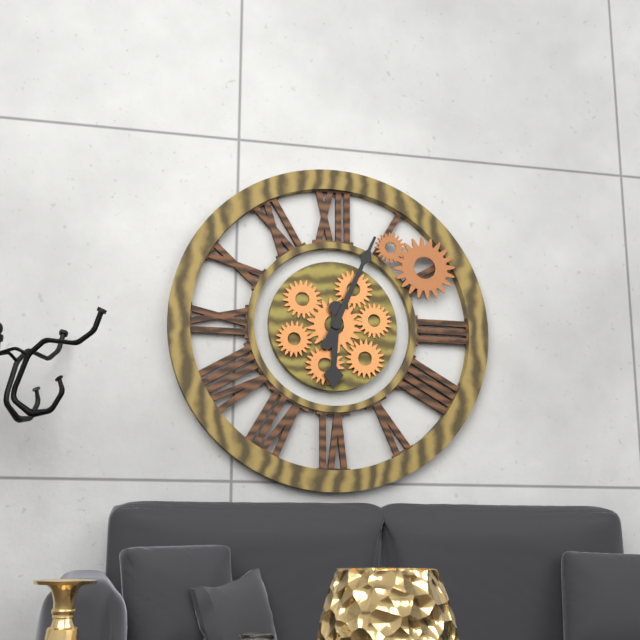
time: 6:04
